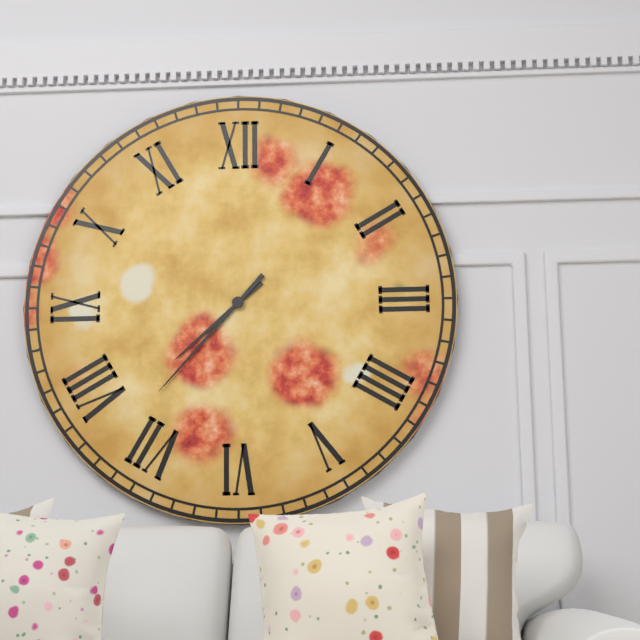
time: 7:37
